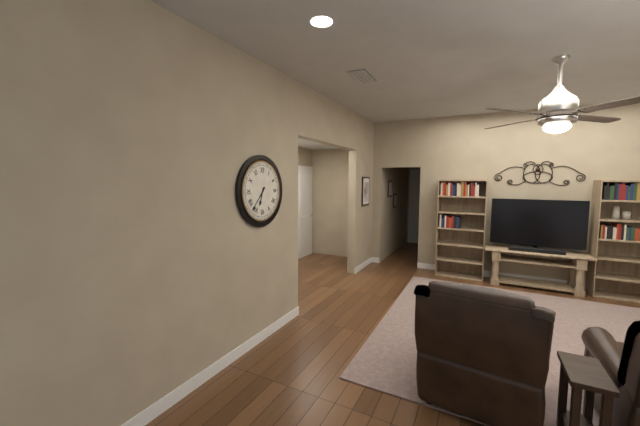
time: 6:37
